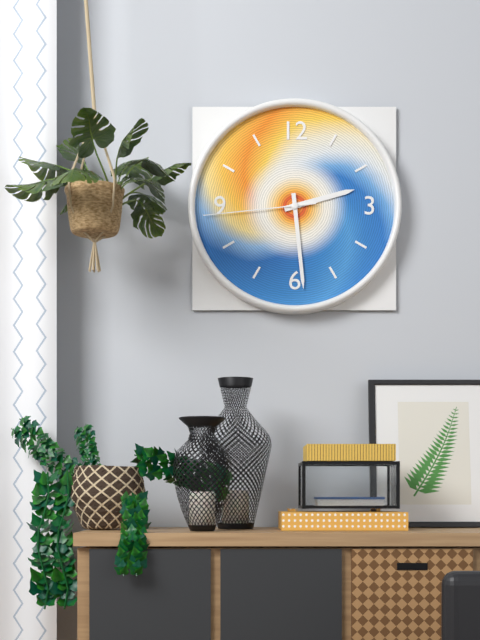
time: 2:29:44
